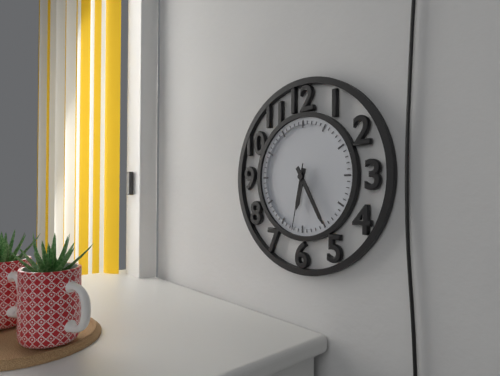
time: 6:25:32
